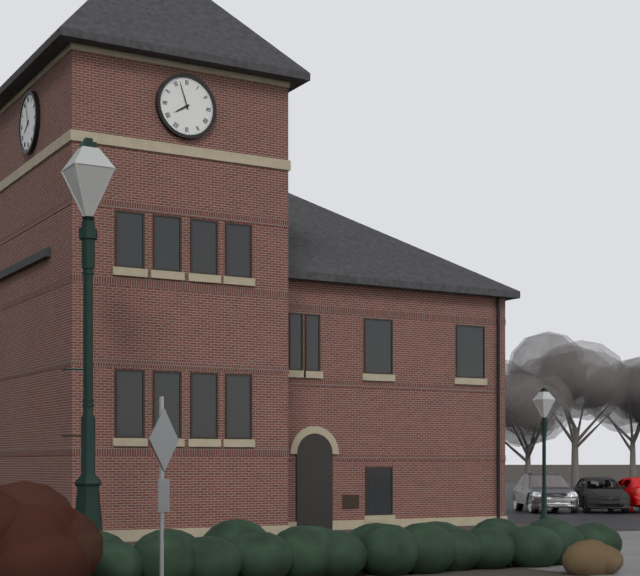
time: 7:57
